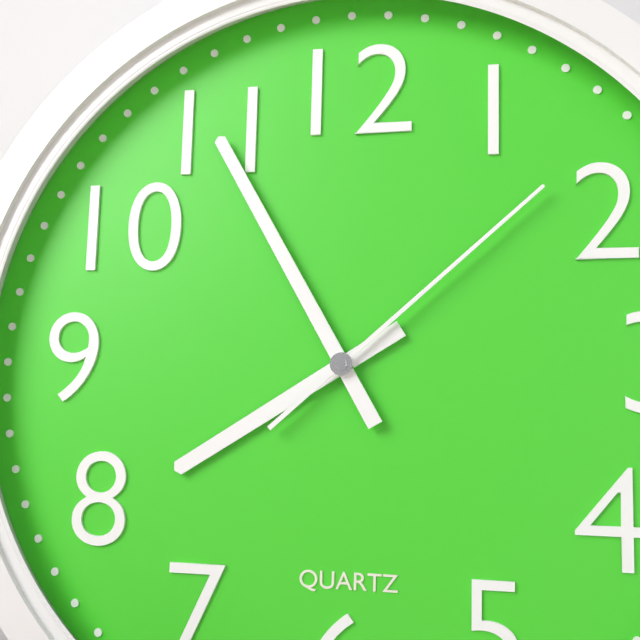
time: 7:55:08
